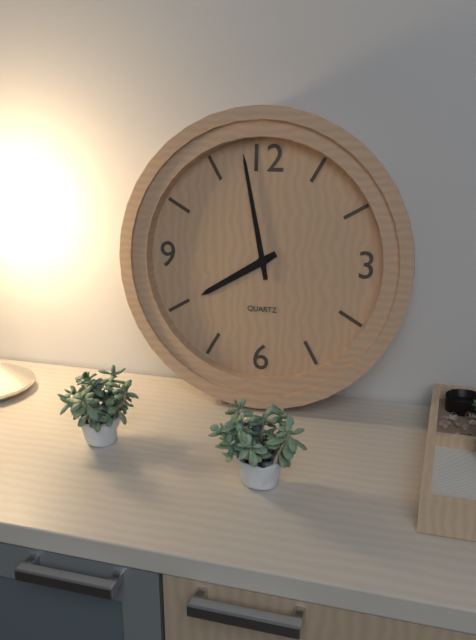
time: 7:58
